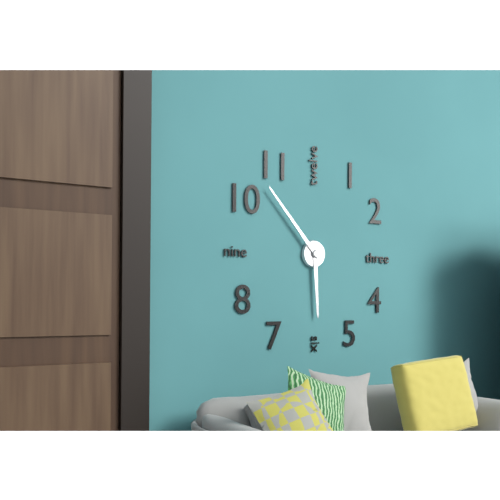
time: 5:53
